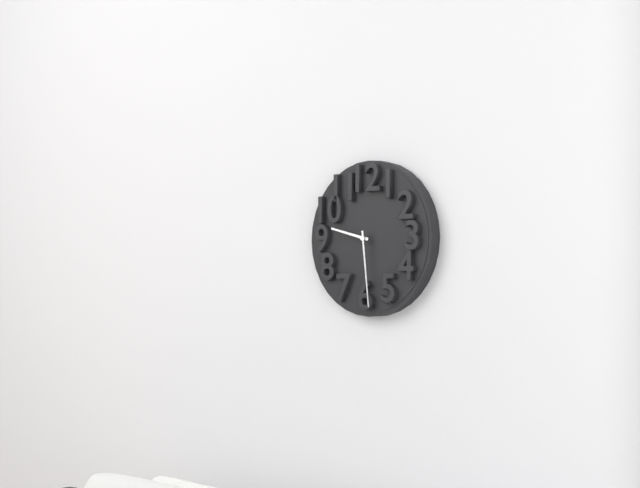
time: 9:29
